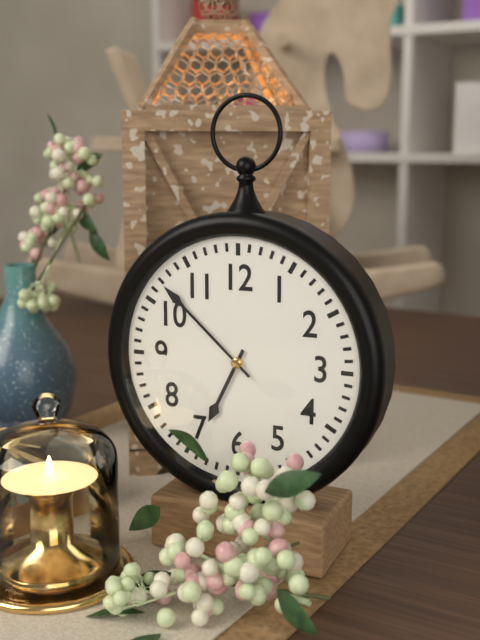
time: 6:52
